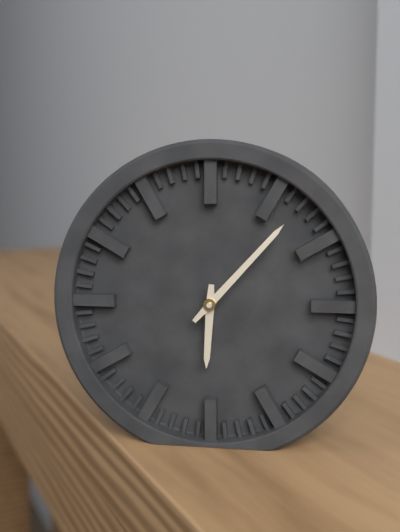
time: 6:07
